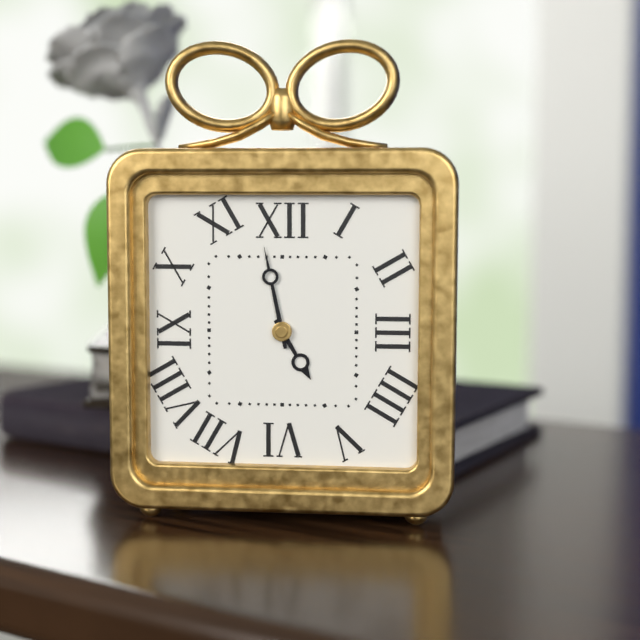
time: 4:58
